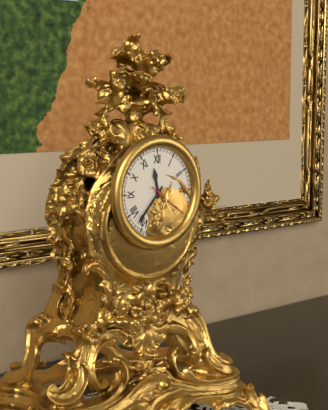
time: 11:37
